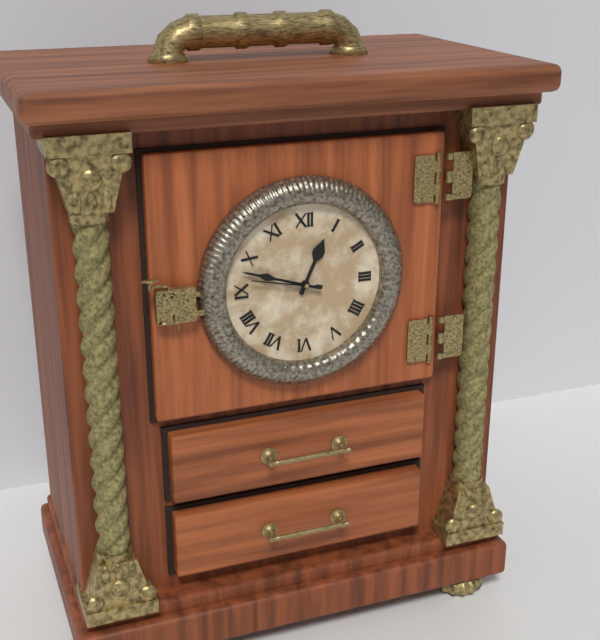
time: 12:48:47
